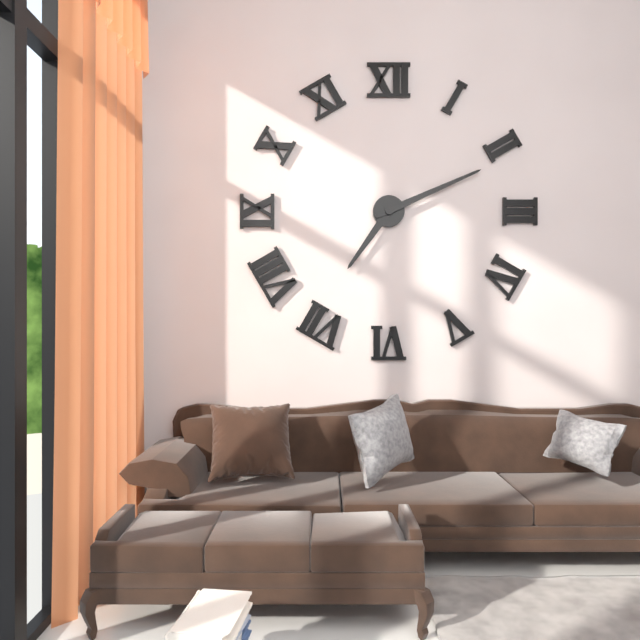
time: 7:11
